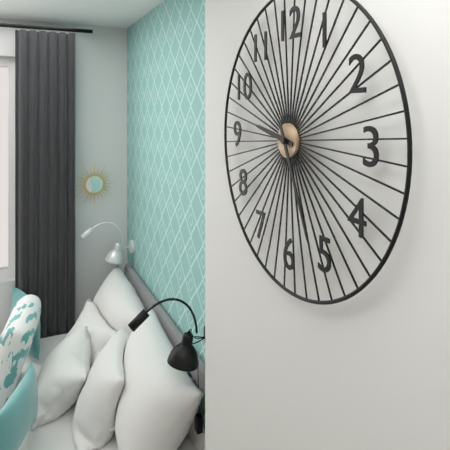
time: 9:26
